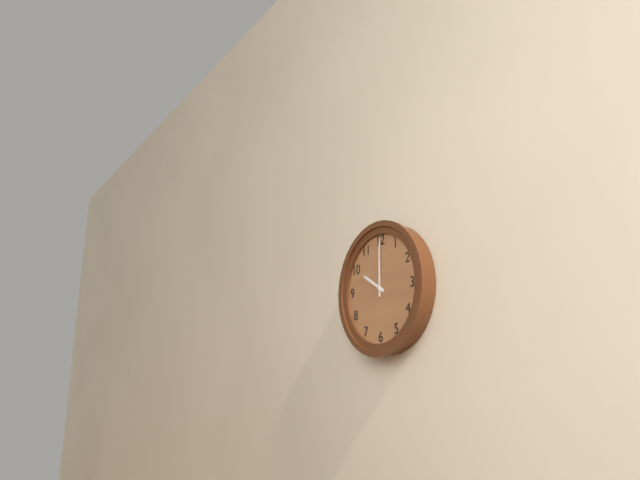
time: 10:00
